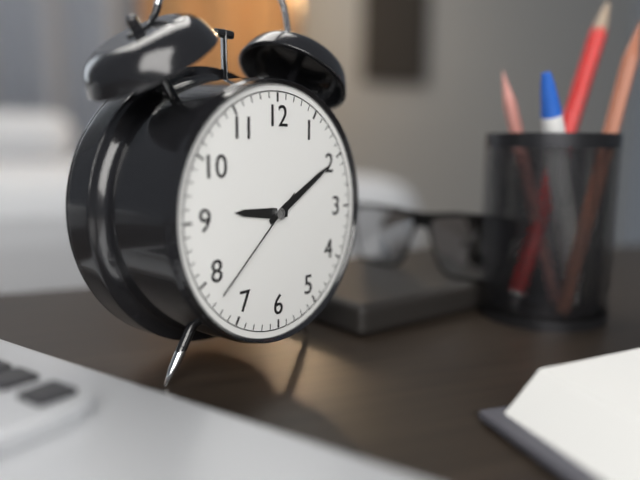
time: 9:10:38
